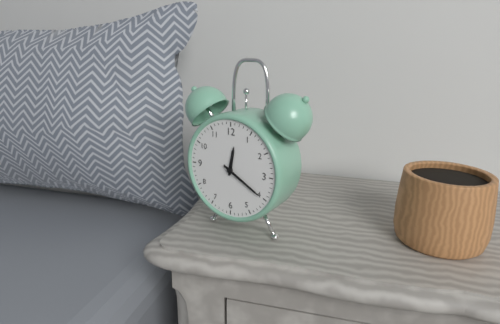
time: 12:20
